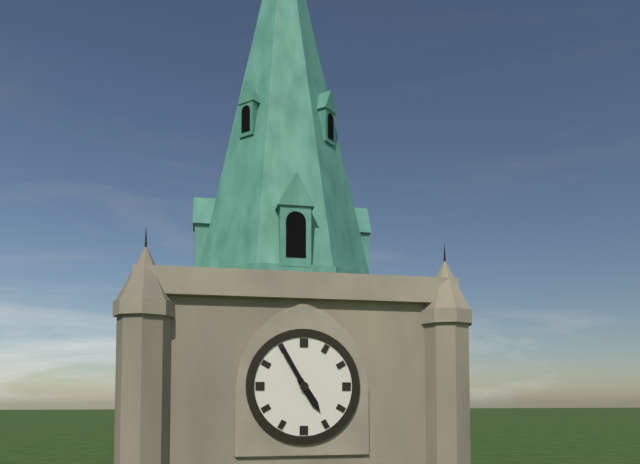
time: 4:55
